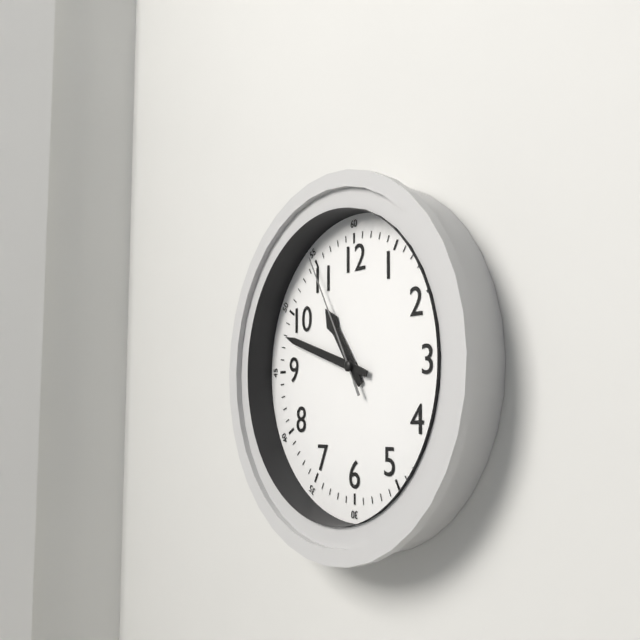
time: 10:48:55
